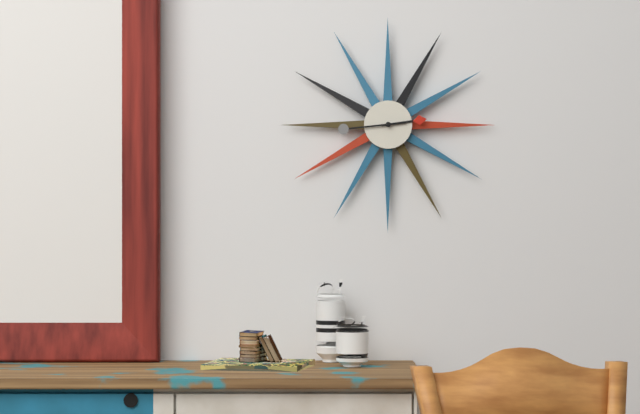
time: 2:44
